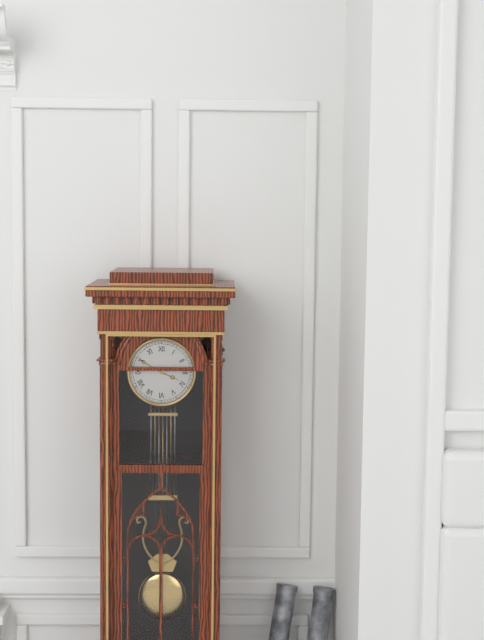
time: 3:50
